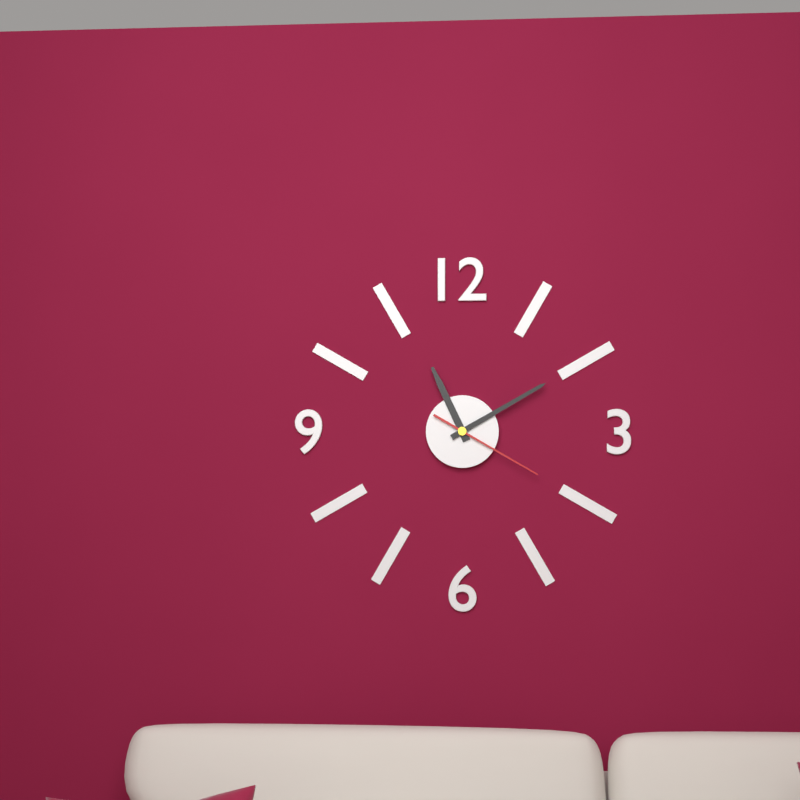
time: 11:10:20
